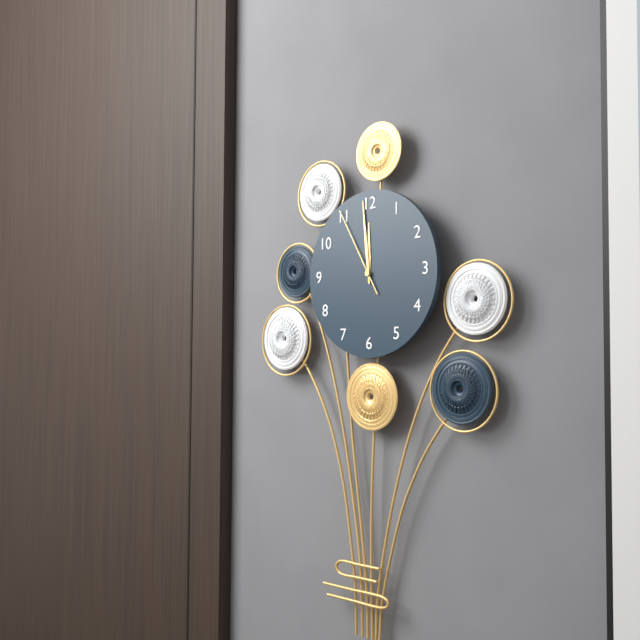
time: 11:59:55
